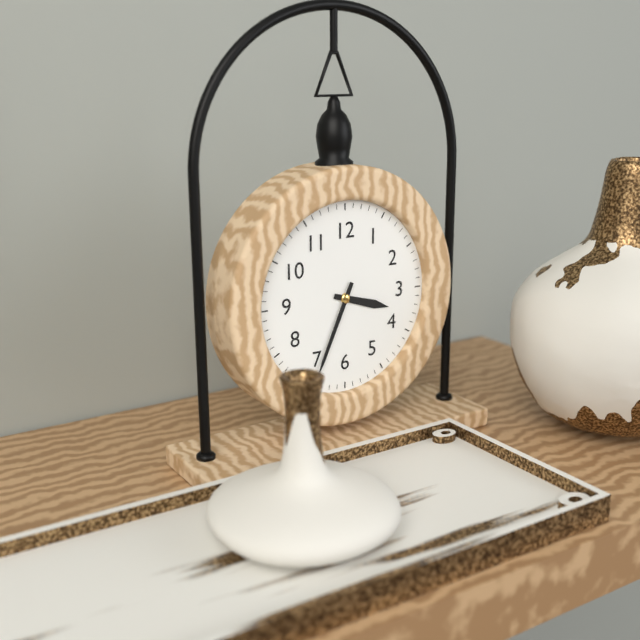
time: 3:34
